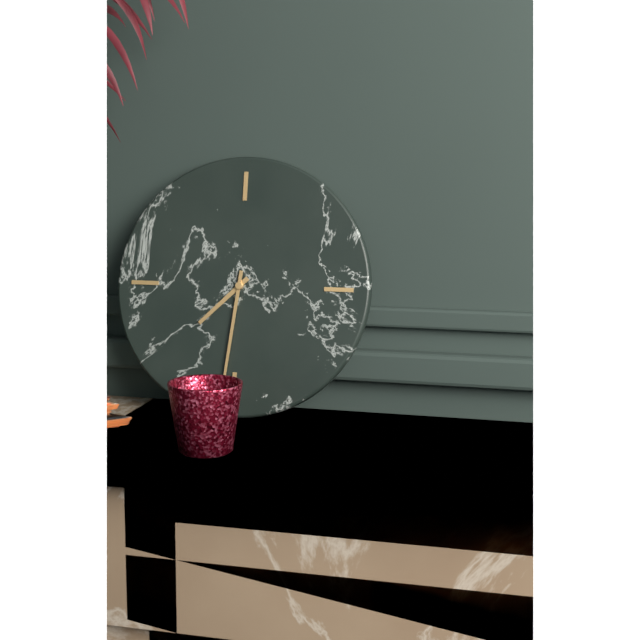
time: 7:31
